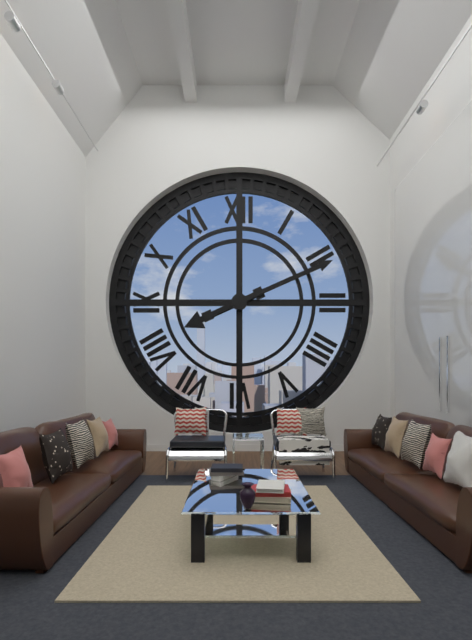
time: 8:11
